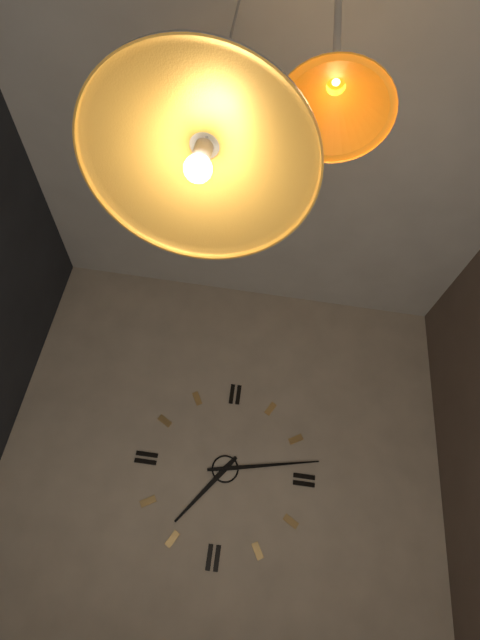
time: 7:13
